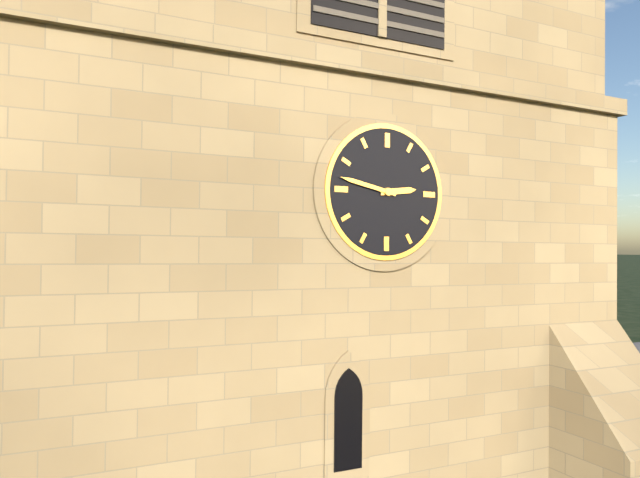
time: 2:47
